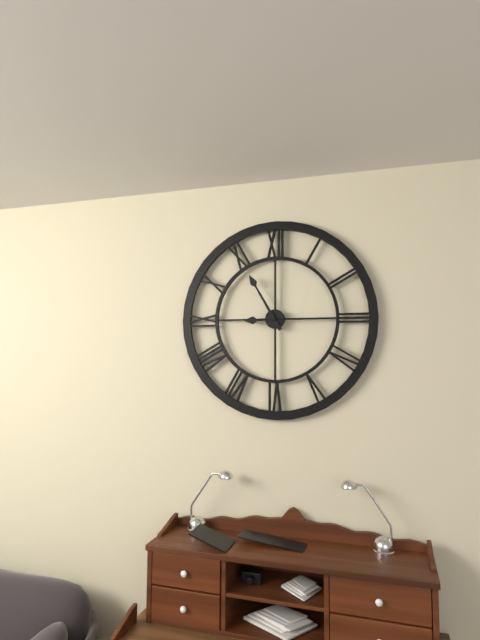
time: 8:55:15
